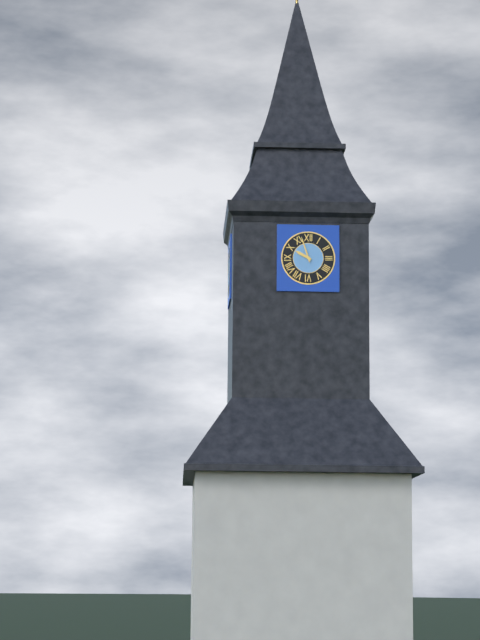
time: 9:57
